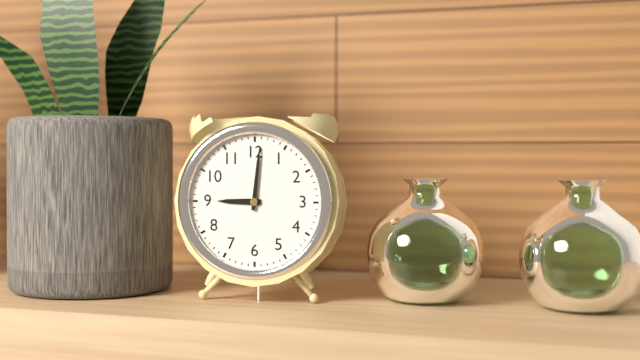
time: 9:01
